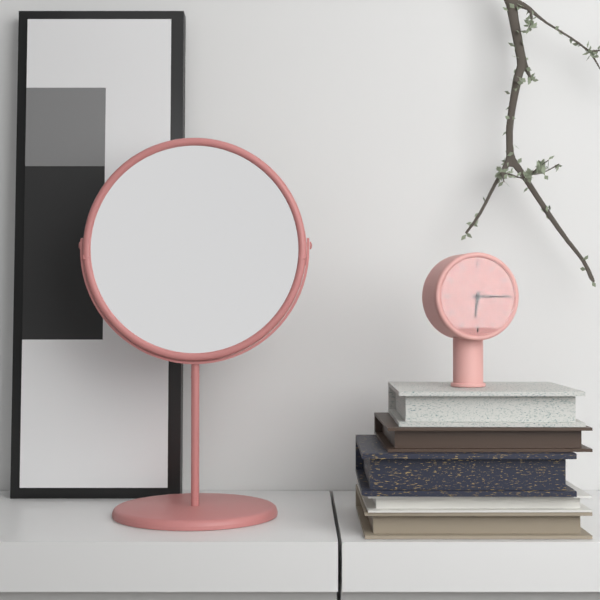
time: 6:15
